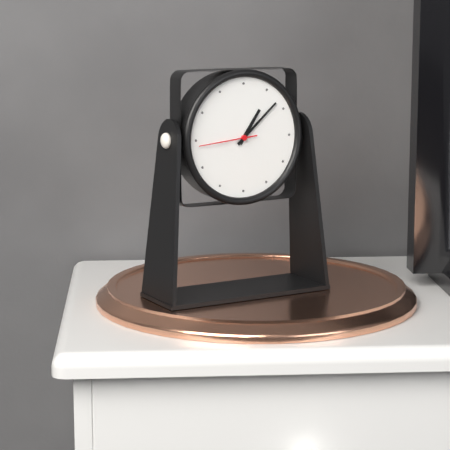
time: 1:08:44
